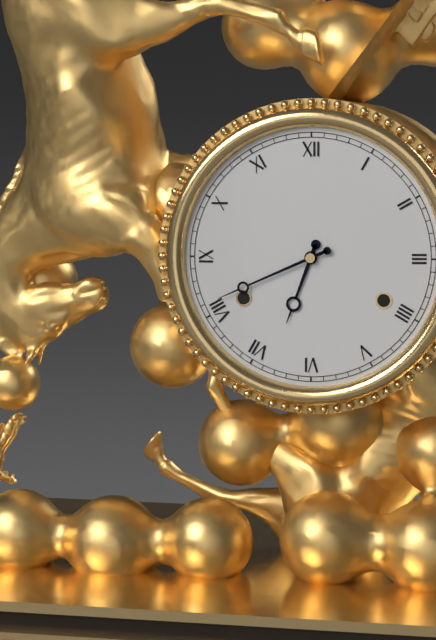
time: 6:41
